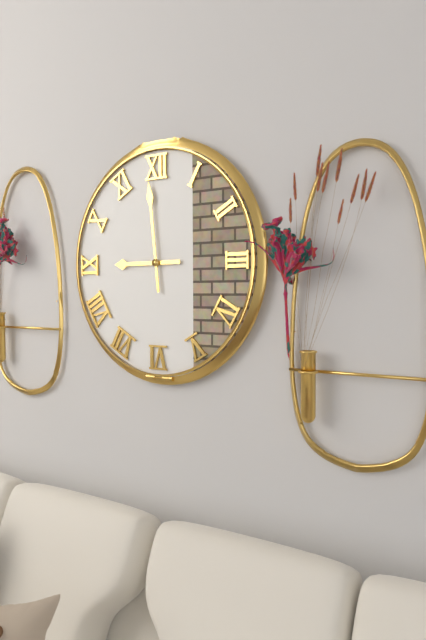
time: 8:59
